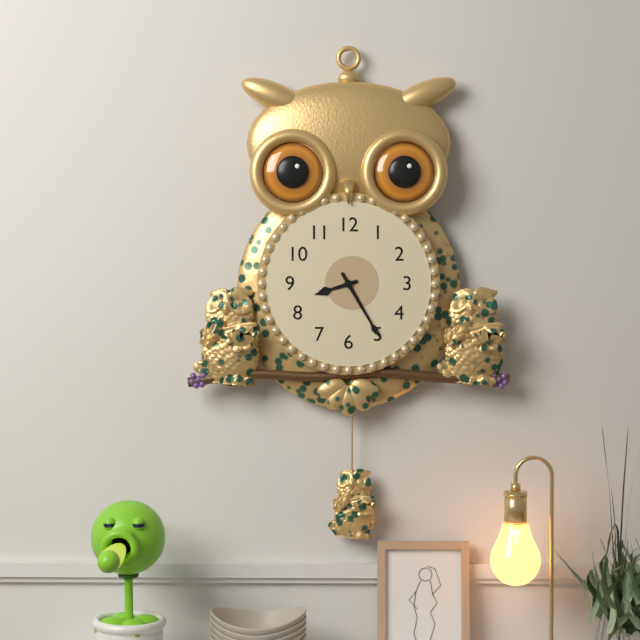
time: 8:25
